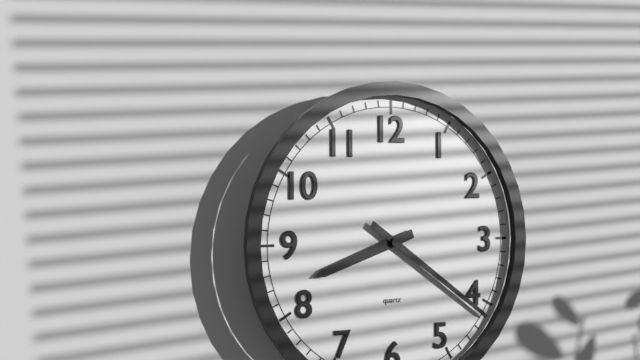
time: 8:21
